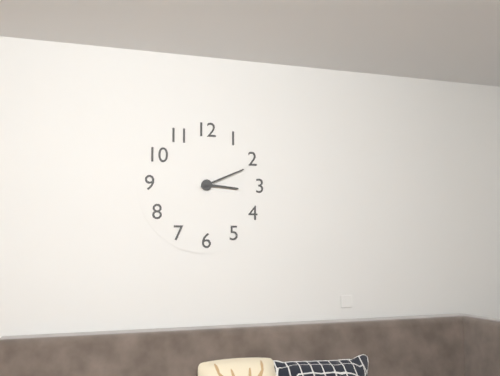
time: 3:11
